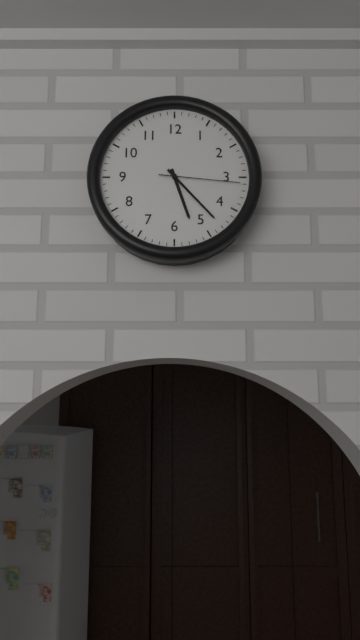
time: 5:23:16
